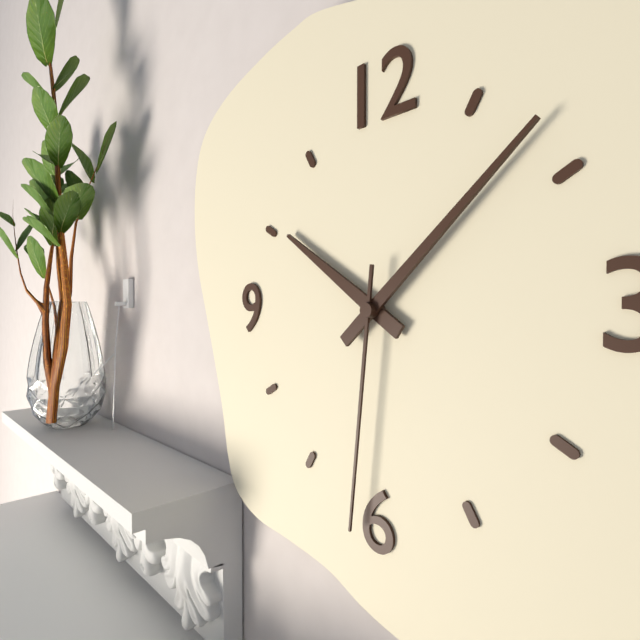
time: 10:08:31
